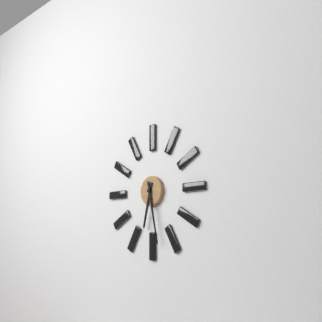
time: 6:28
